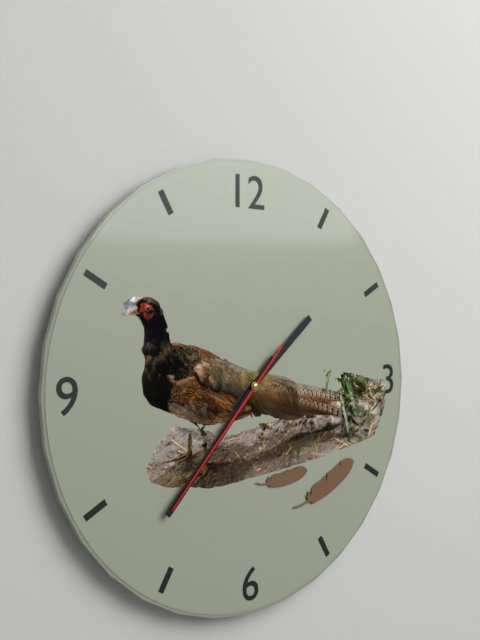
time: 1:37:37
